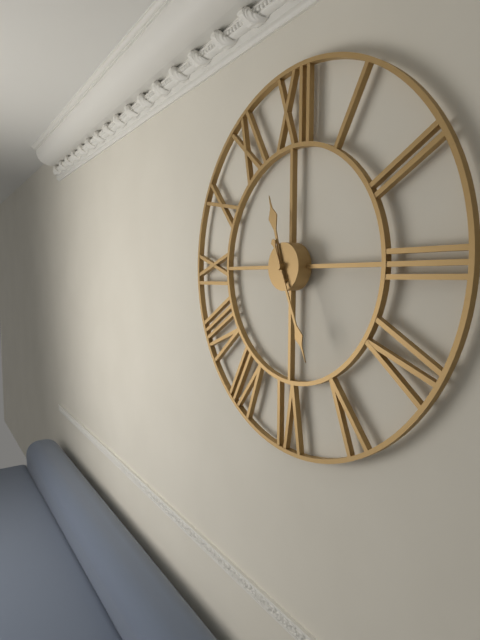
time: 11:26
